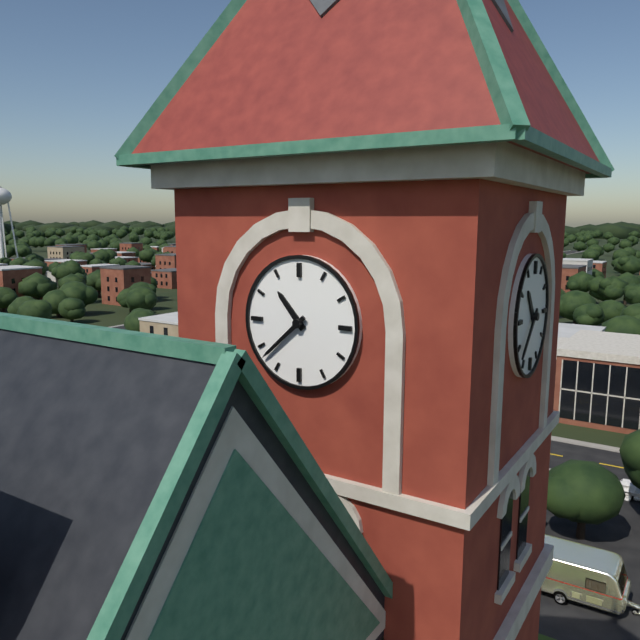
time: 10:38
